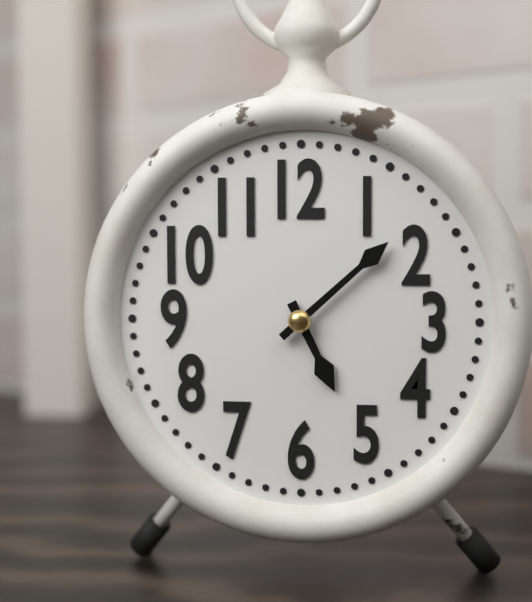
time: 5:08
